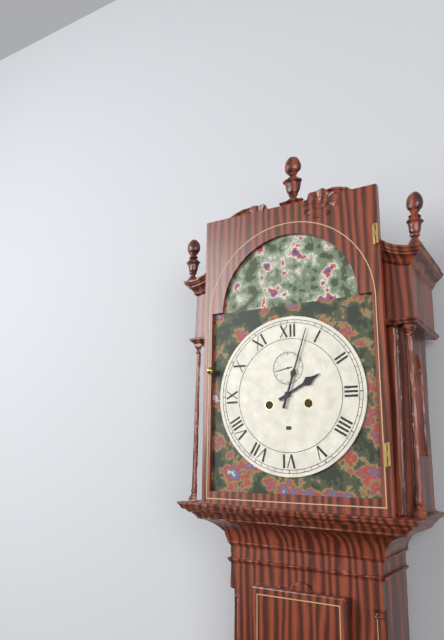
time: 2:03
